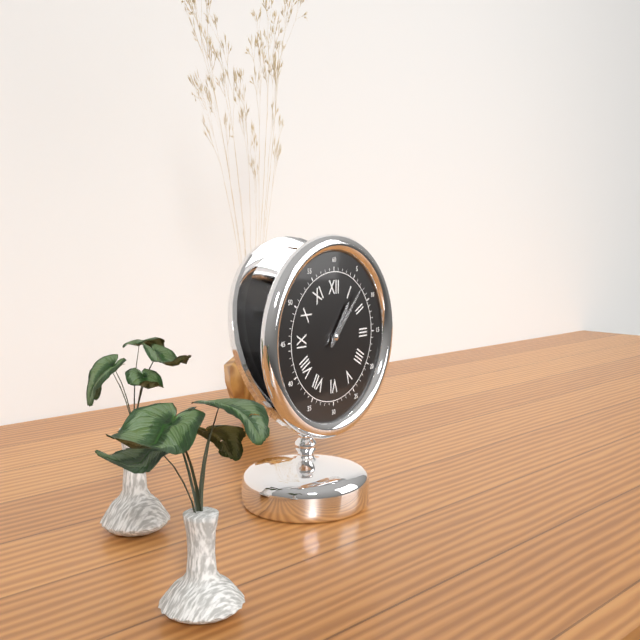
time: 1:07
